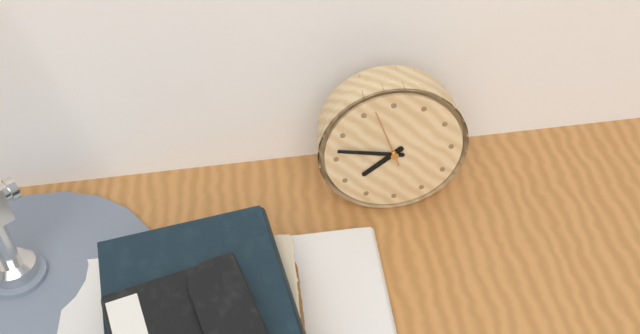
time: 7:47:57
